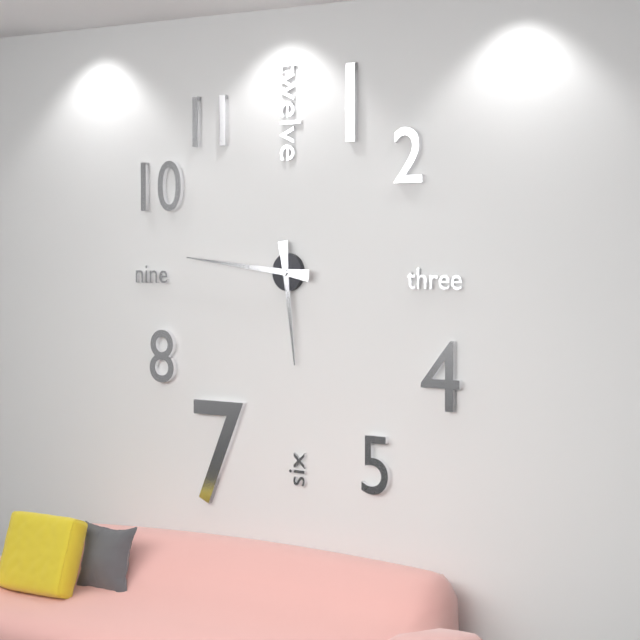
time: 5:46
